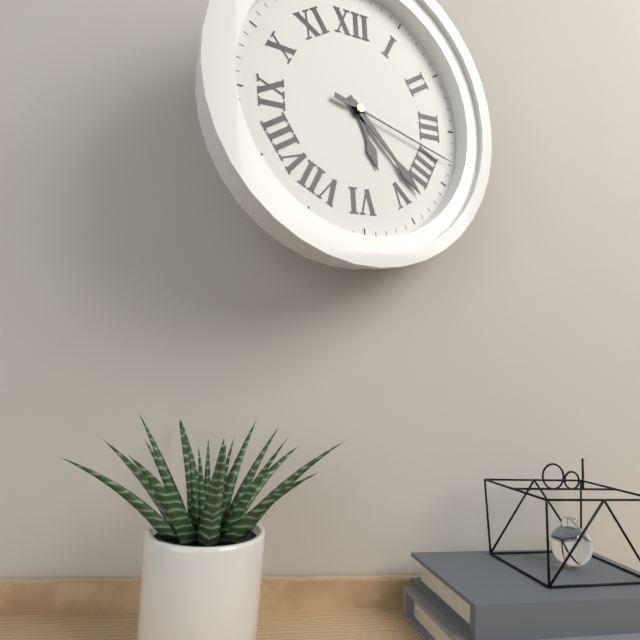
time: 5:23:18
